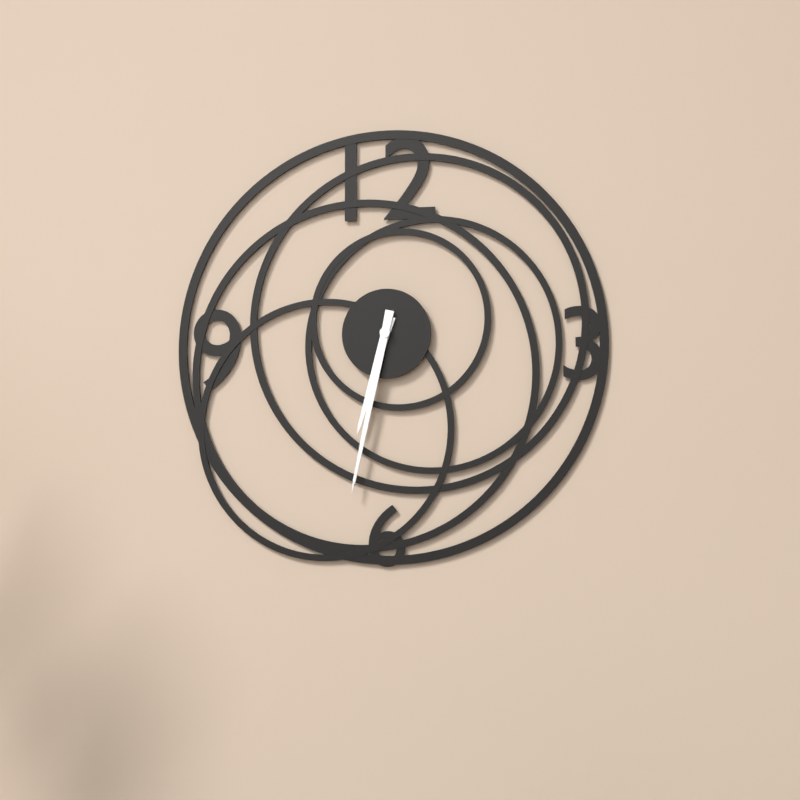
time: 6:32
